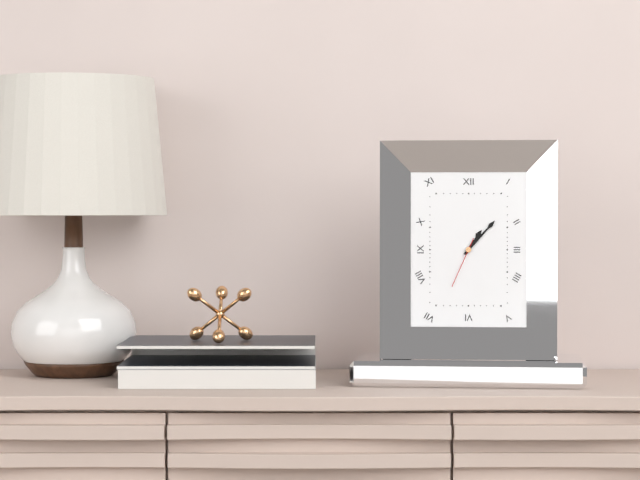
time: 1:07:34
